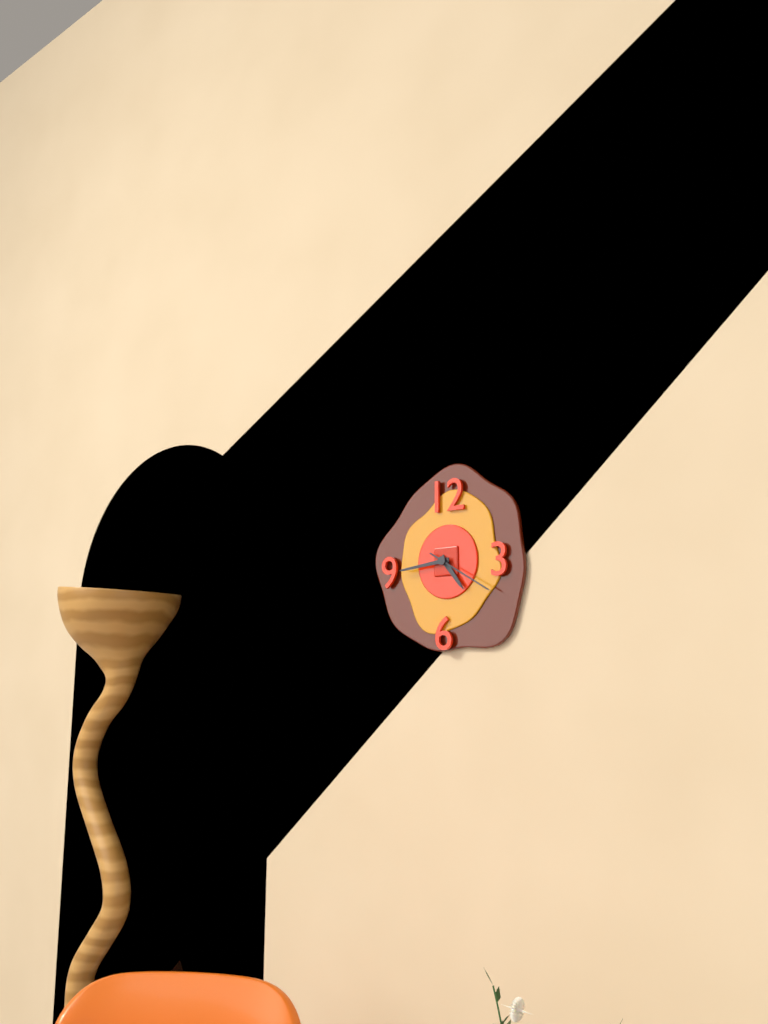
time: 4:44:20
